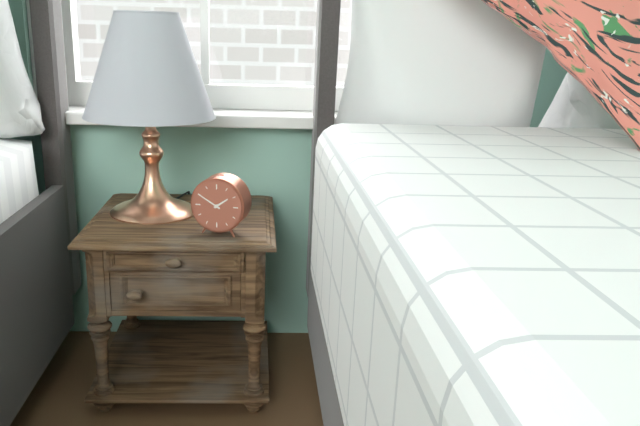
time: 1:50
